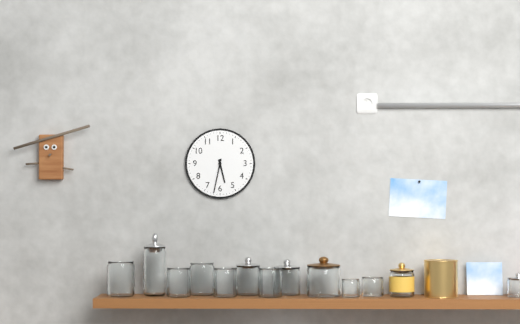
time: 5:32
